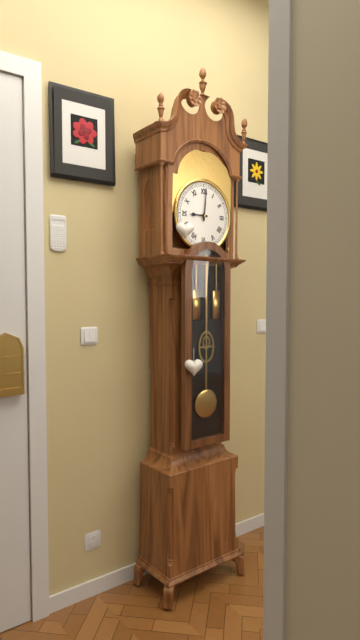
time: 9:01
